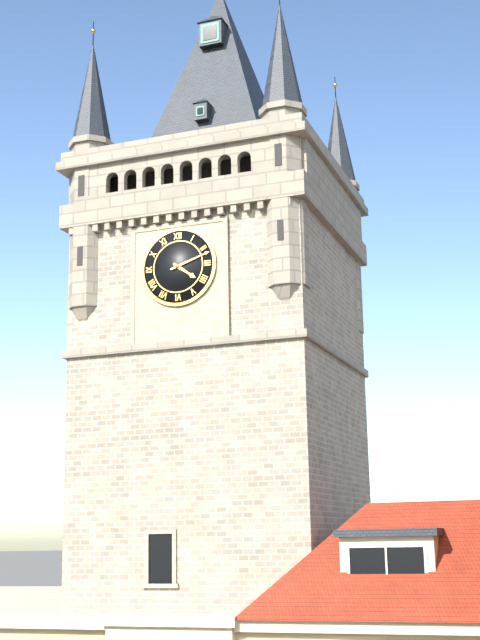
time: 4:12
